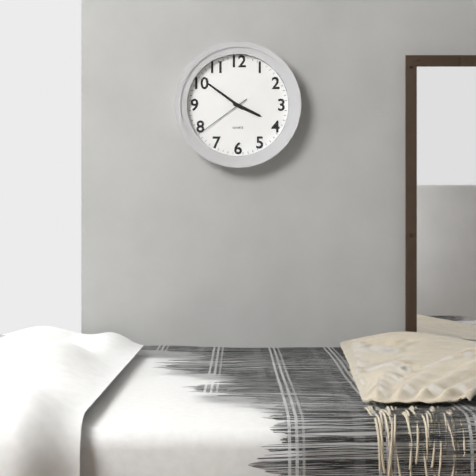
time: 3:51:39
